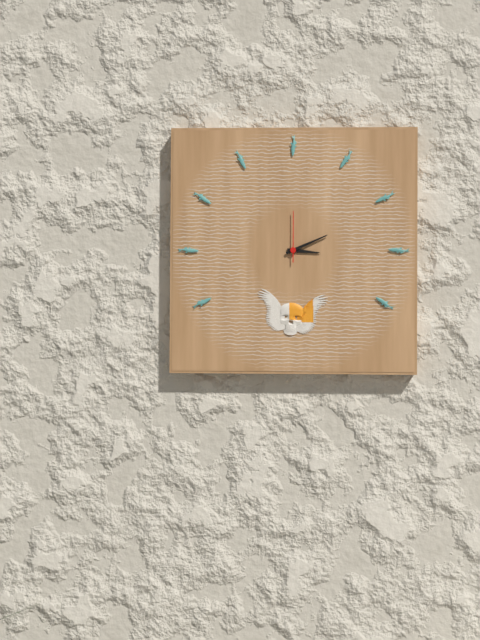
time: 3:11
